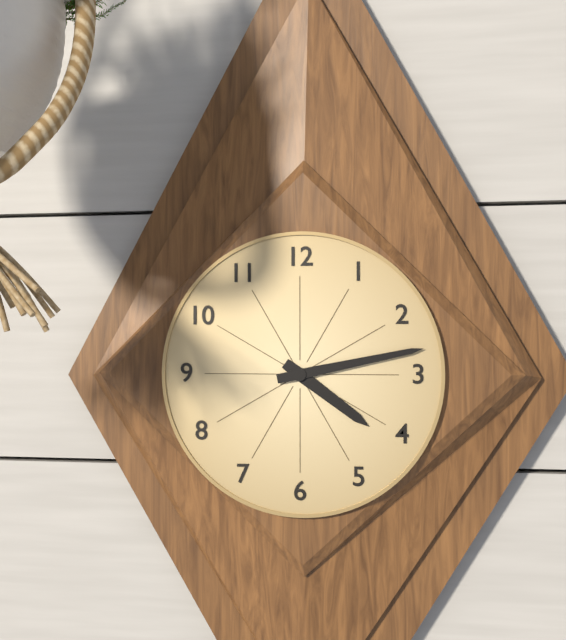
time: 4:13
